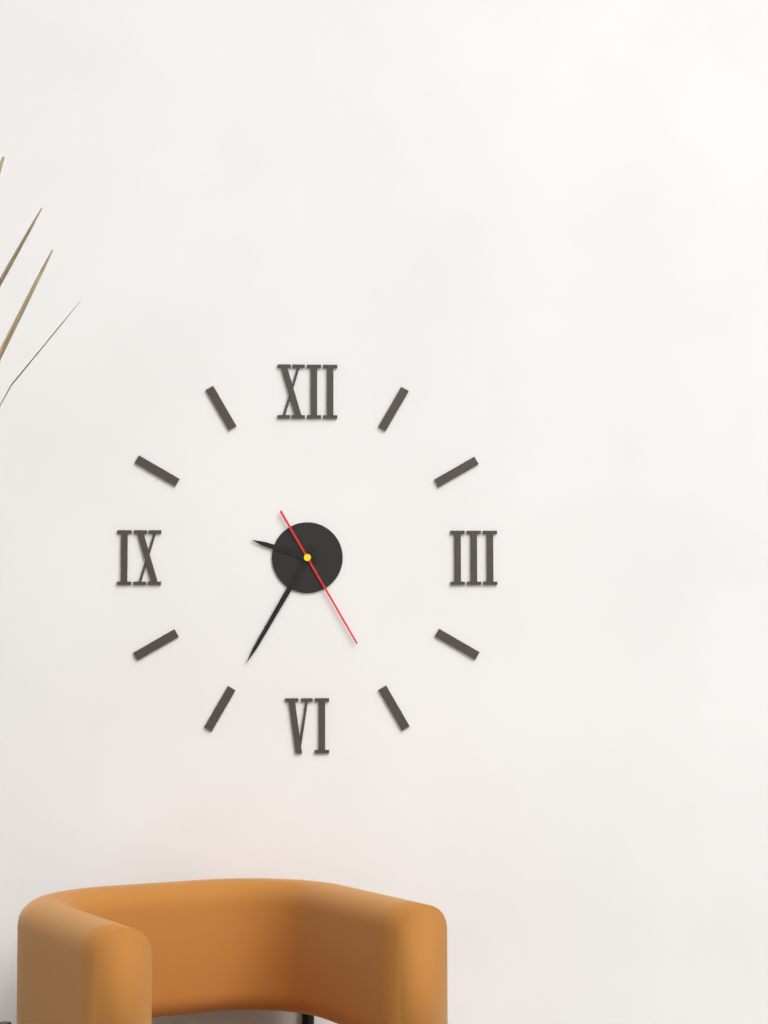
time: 9:35:25
